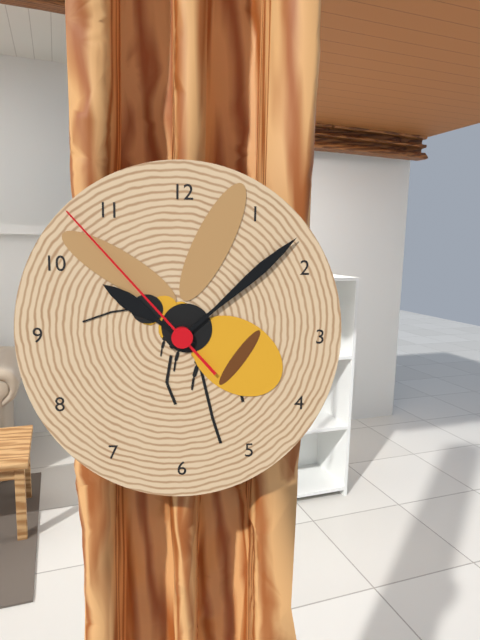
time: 10:08:53
